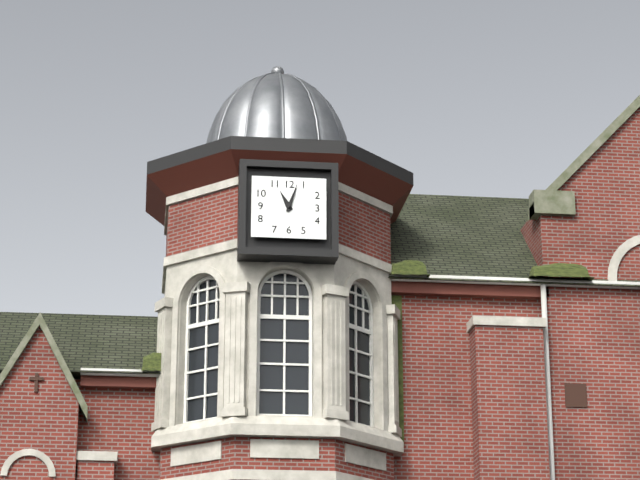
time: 11:03
